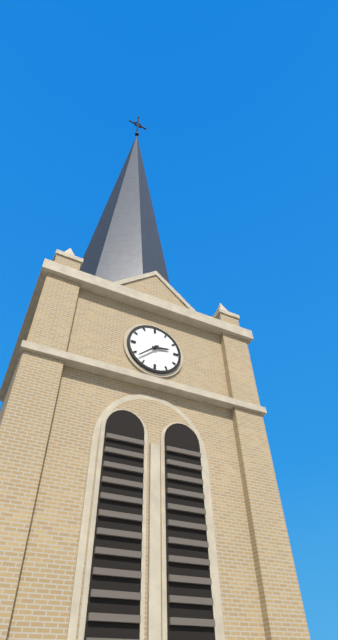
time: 2:38
